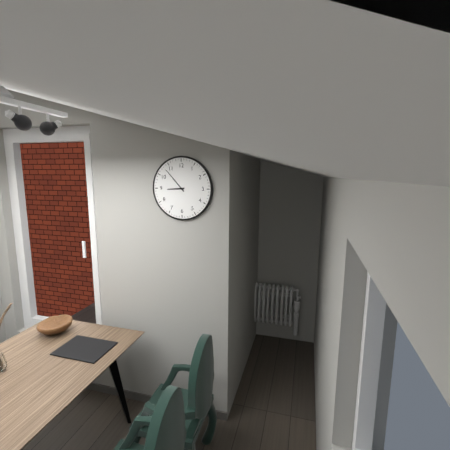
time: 8:53
